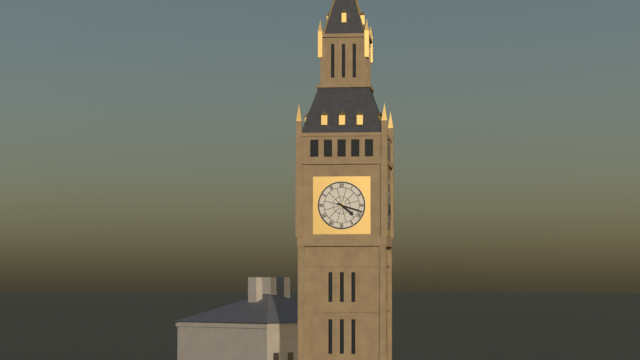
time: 4:18
